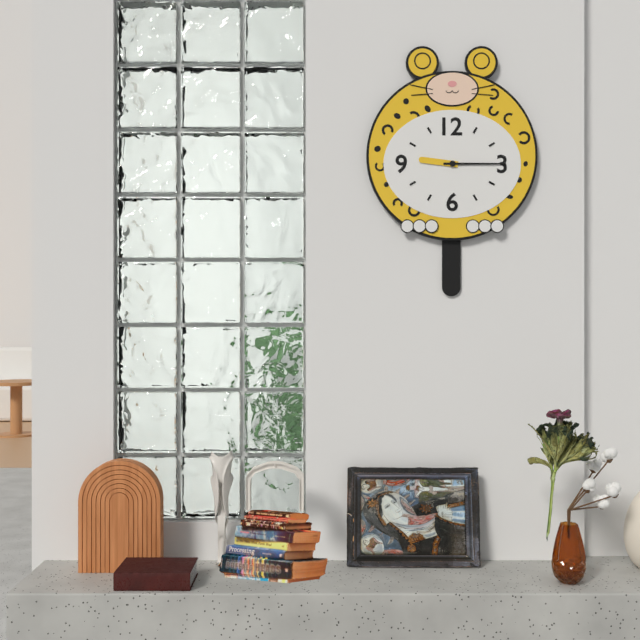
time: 9:15
